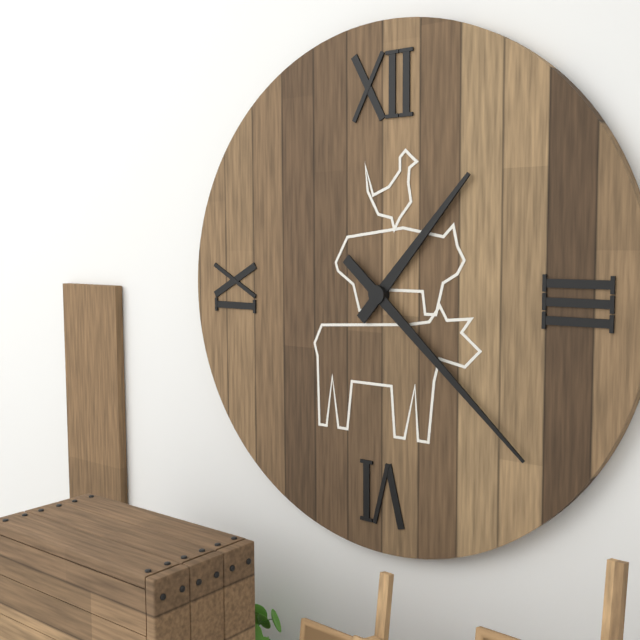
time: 1:22
